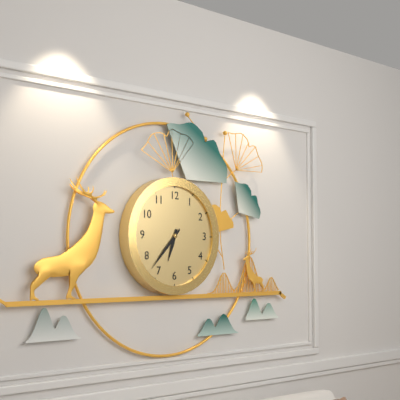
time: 6:37
